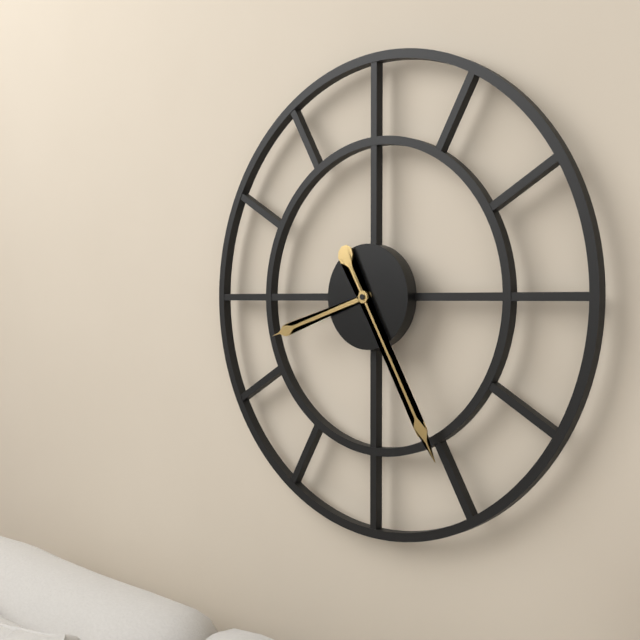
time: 8:25
